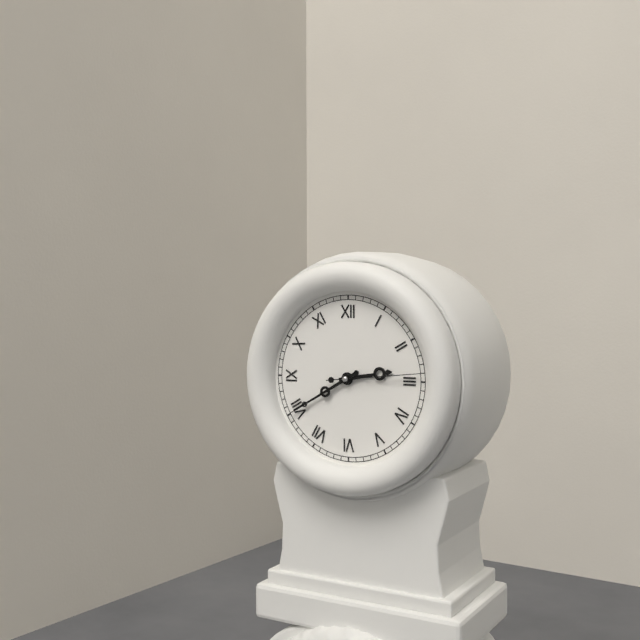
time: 2:40:14
